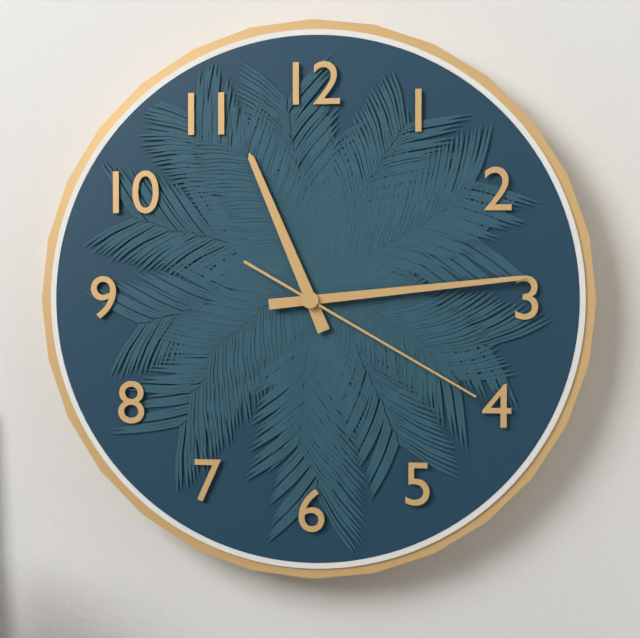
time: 11:14:20
